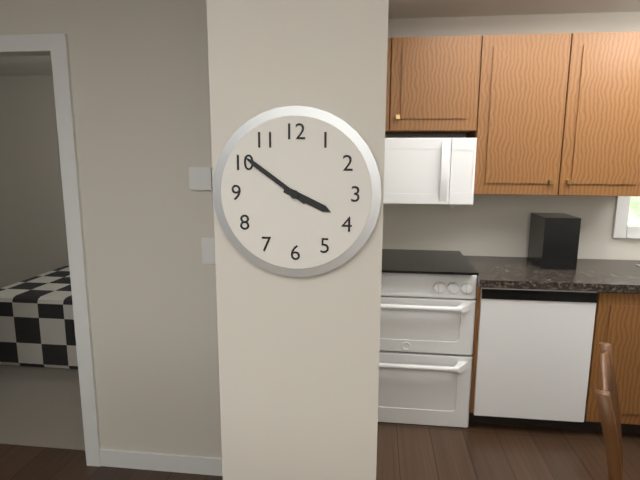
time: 3:51
